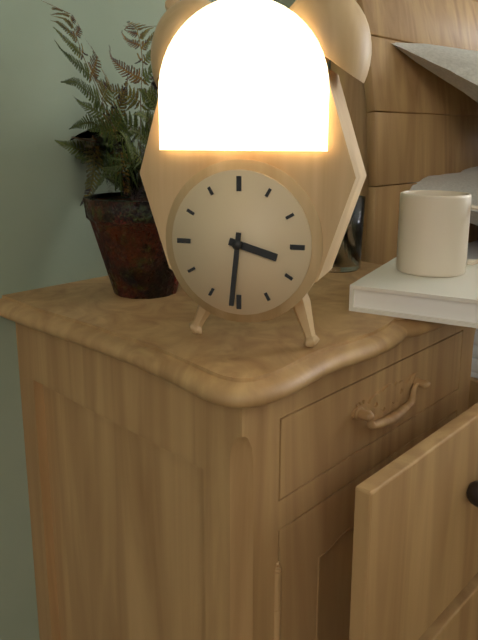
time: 3:31
